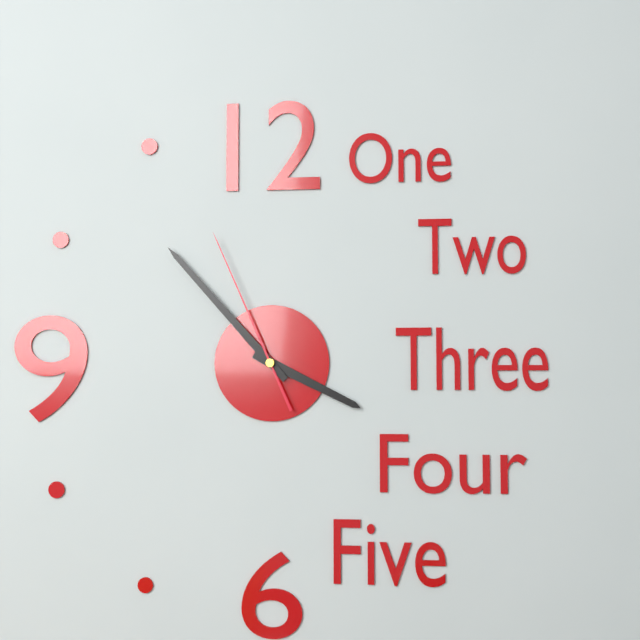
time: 3:53:56
